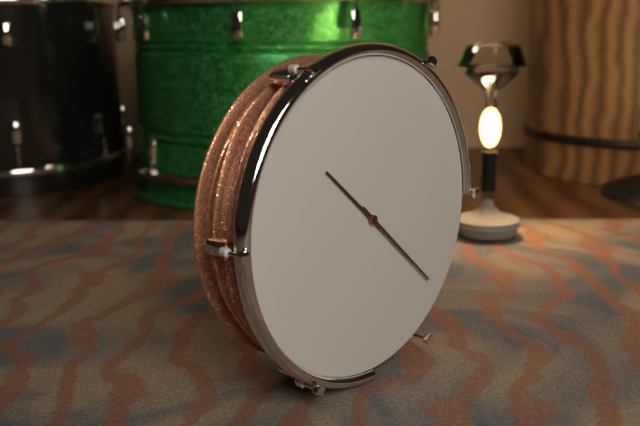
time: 10:22
